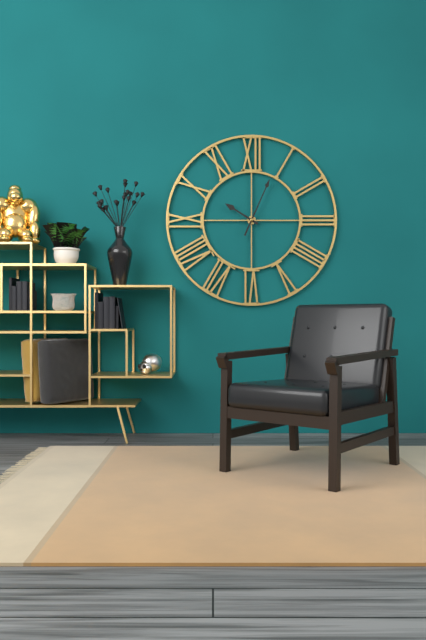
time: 10:04
